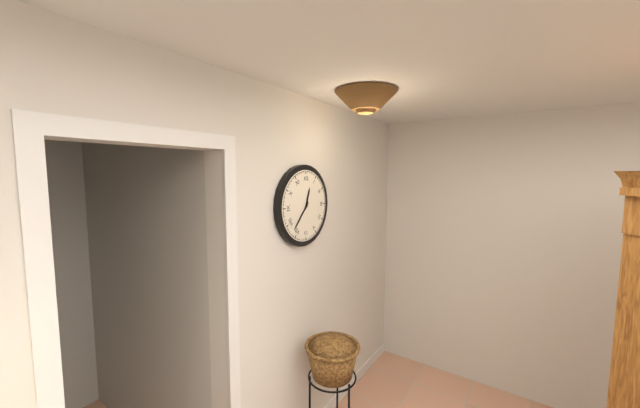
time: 12:37
